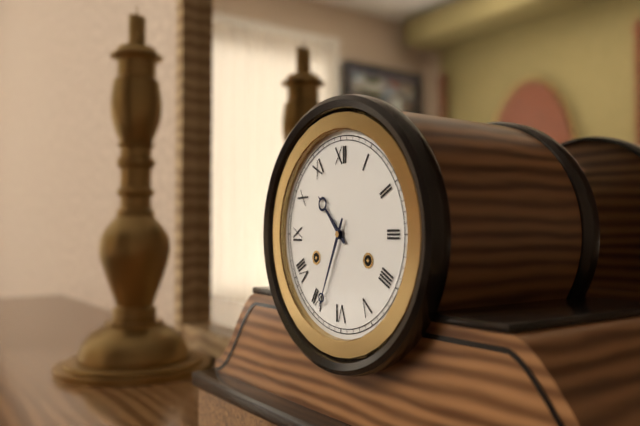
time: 10:34
